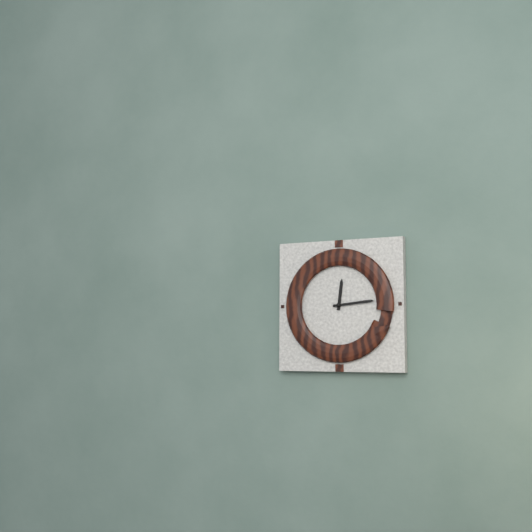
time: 12:14
